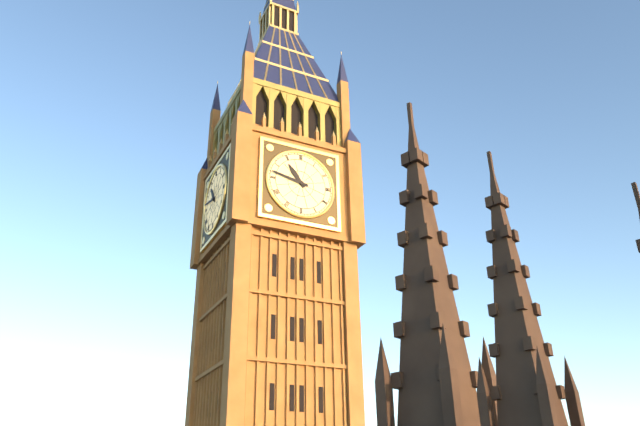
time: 10:47
